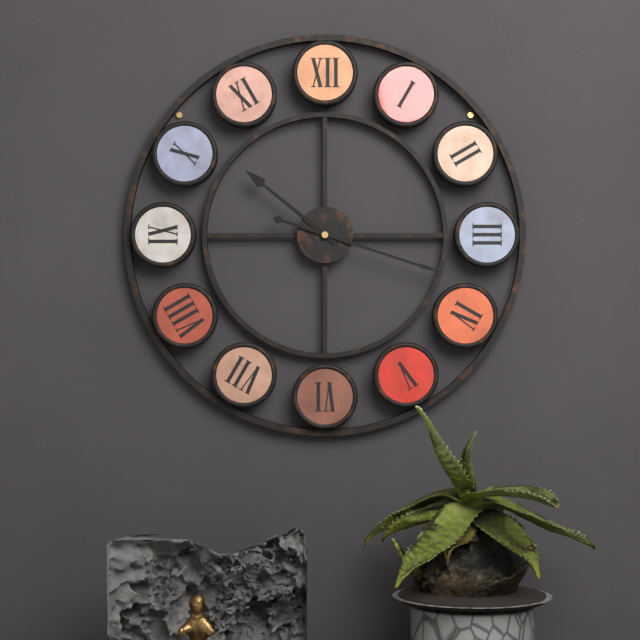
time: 10:18
